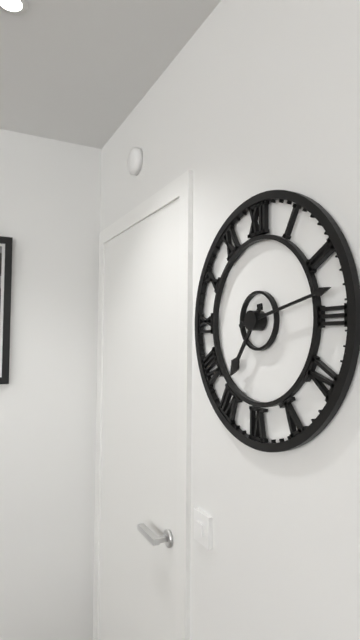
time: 7:13
